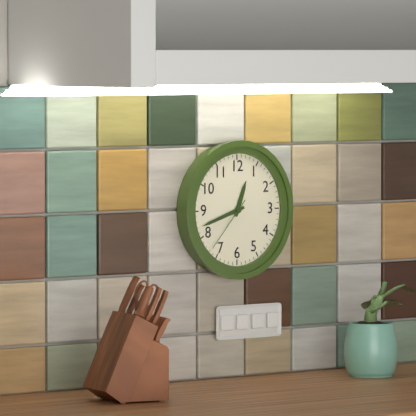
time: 12:42:37
